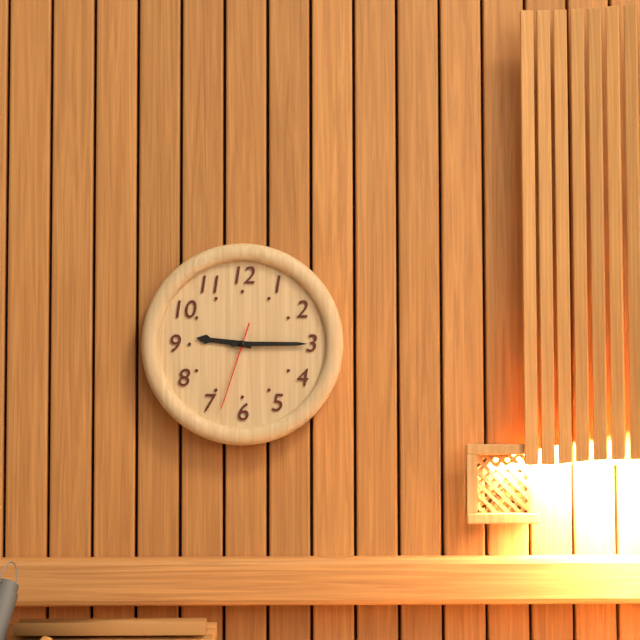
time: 9:15:33
